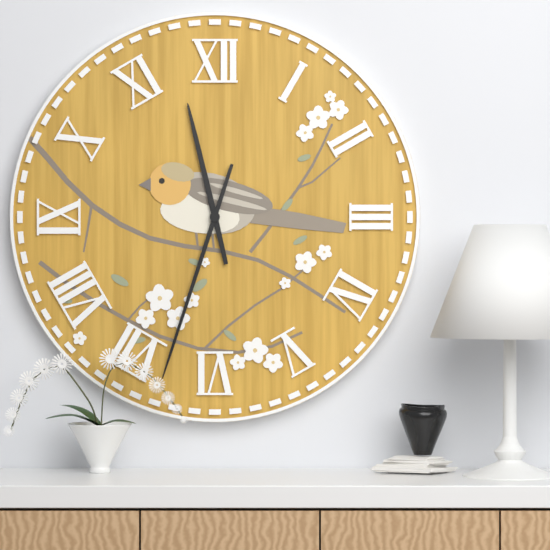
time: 11:33
